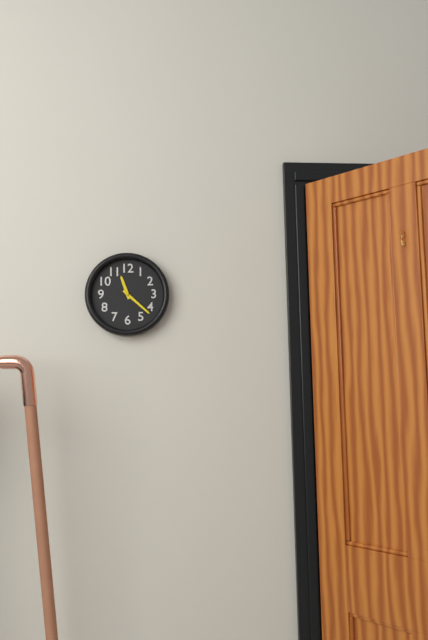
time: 11:22
